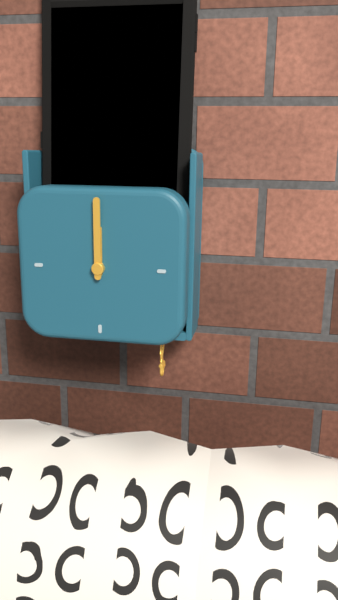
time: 12:00
